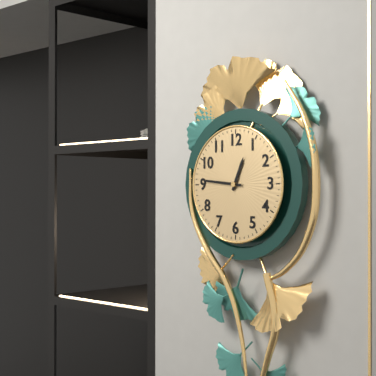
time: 12:46
